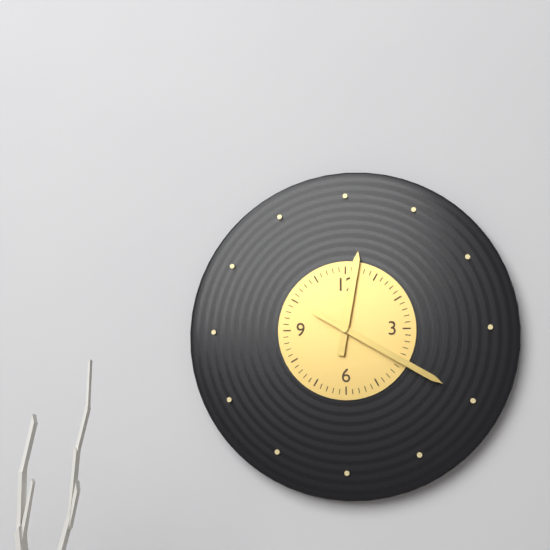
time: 12:20
